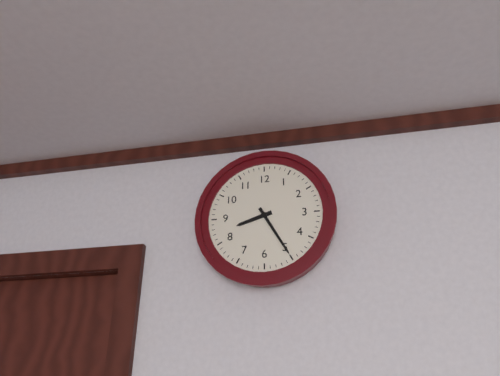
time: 8:25
